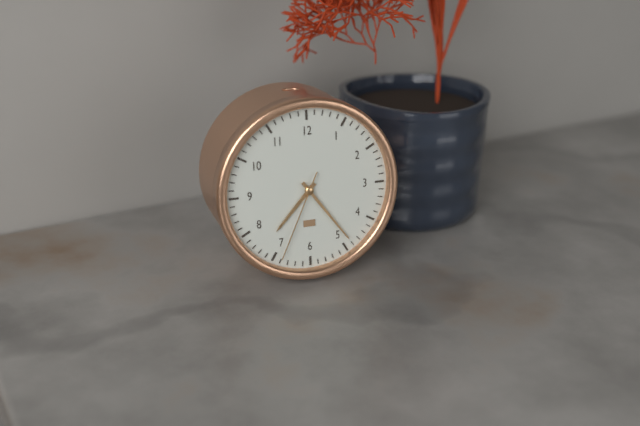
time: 7:24:34
